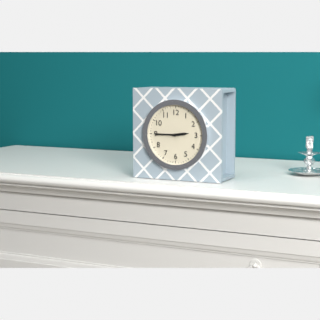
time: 2:45
